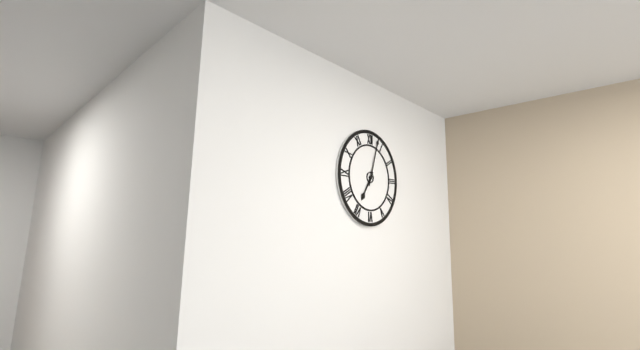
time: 7:03
